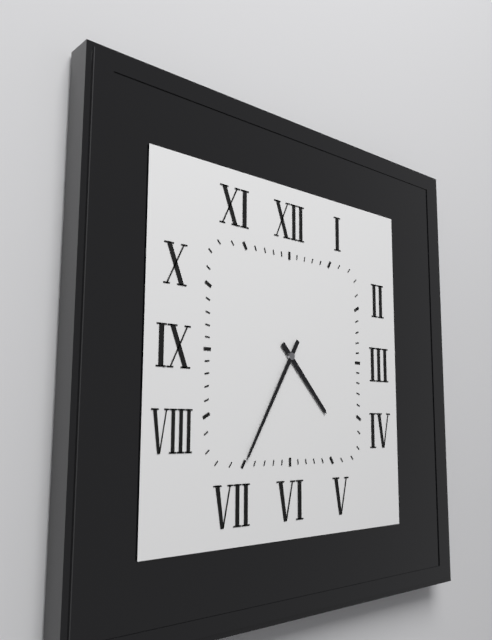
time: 4:35
